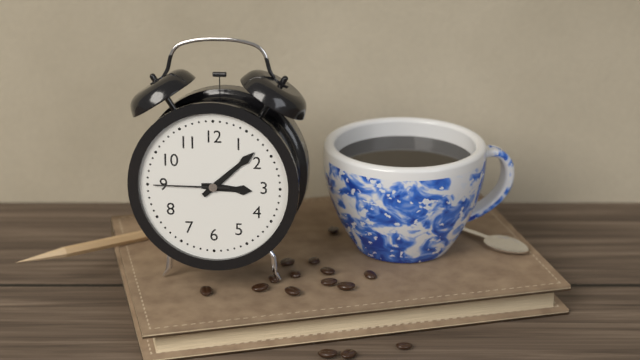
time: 3:08:45
